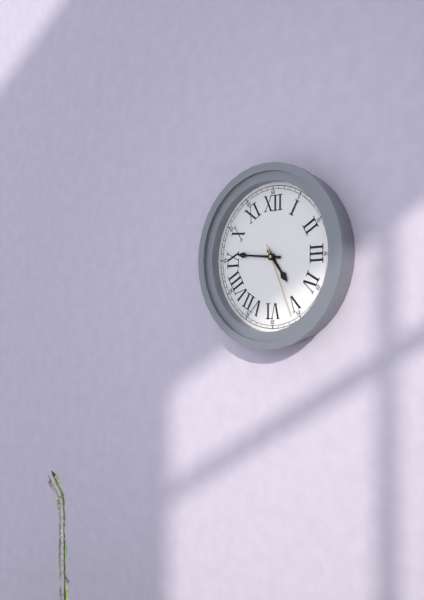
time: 4:46:26
